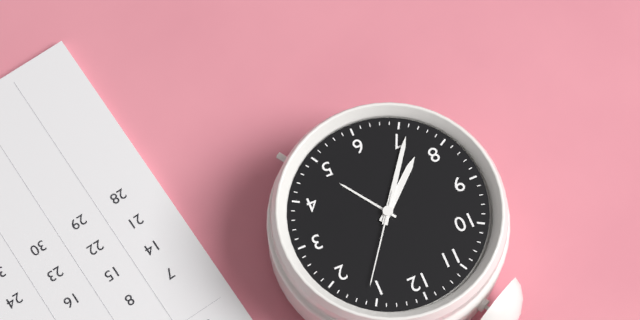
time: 7:36:06
